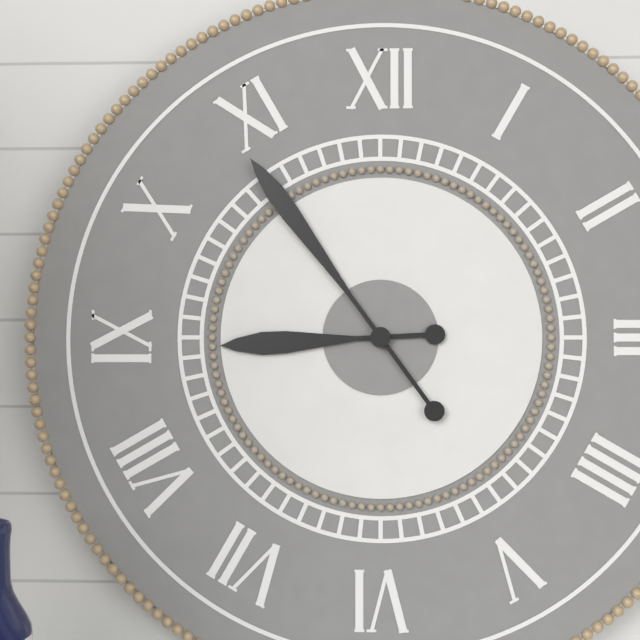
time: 8:54
